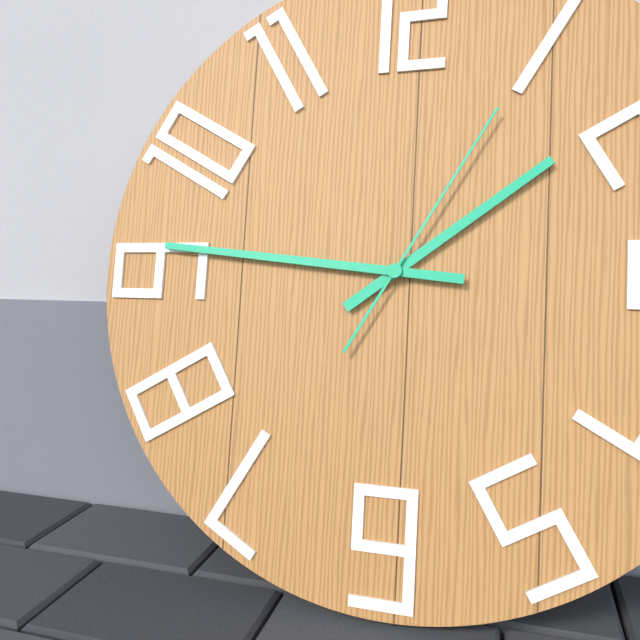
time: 1:46:05
